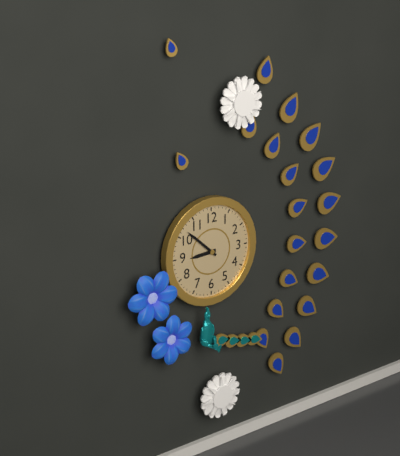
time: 8:52
